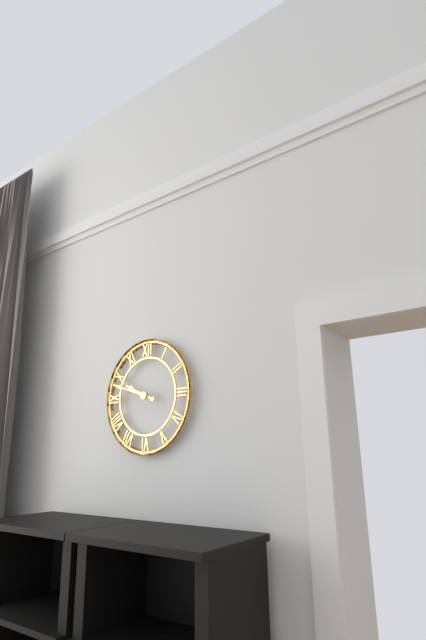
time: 9:48
